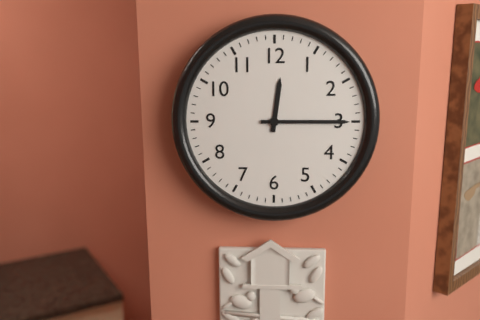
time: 12:15
